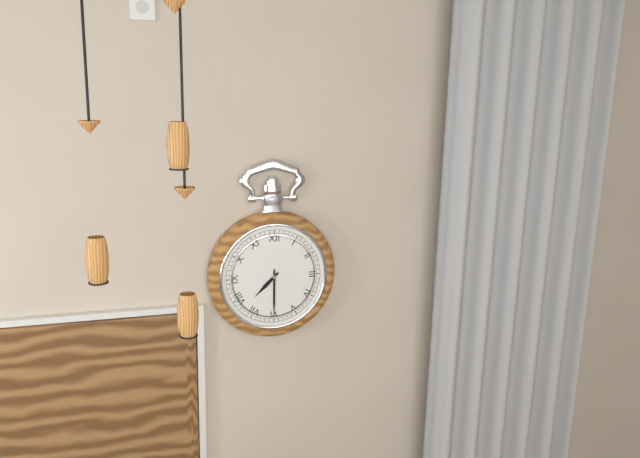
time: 7:30
